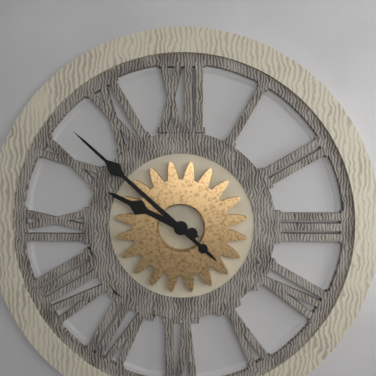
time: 9:52
